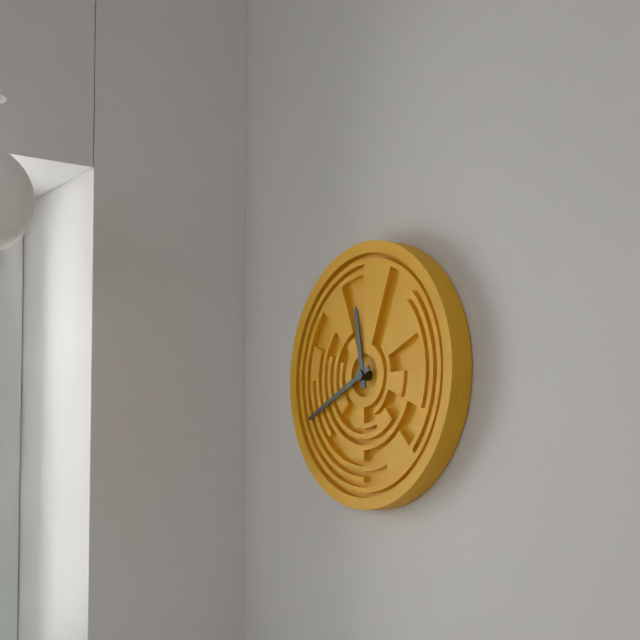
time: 11:41
